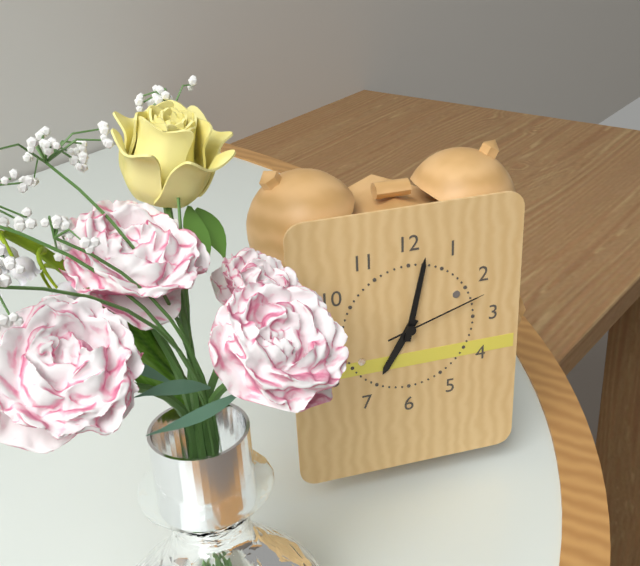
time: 7:02:12
